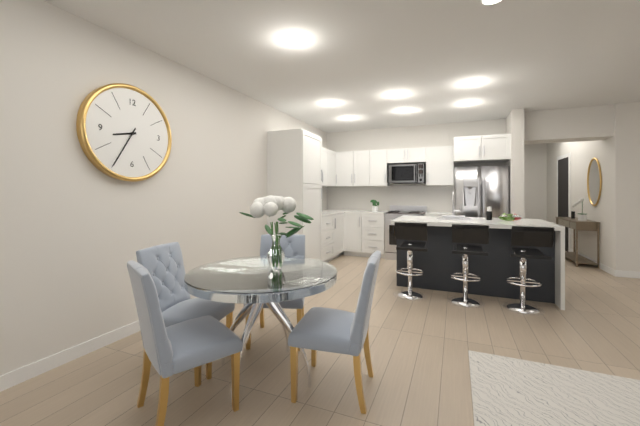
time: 8:35
